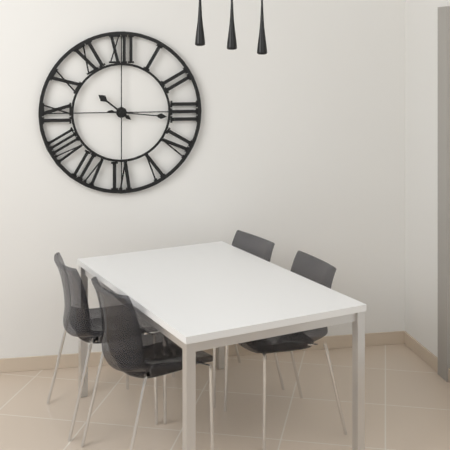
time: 10:16
